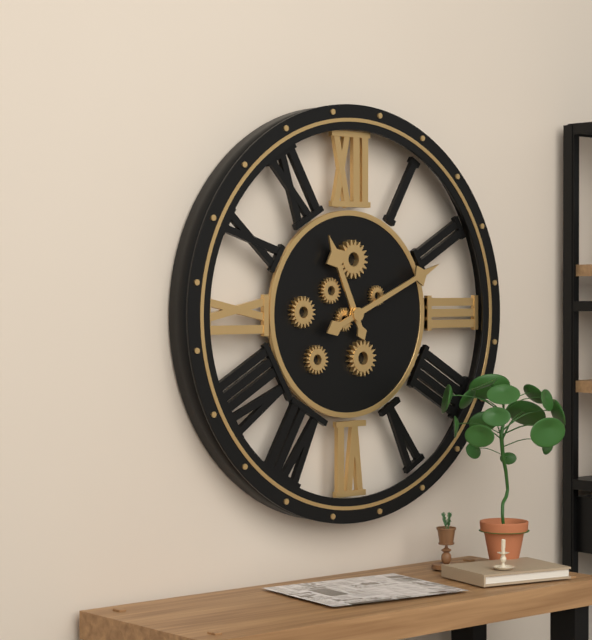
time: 11:11
